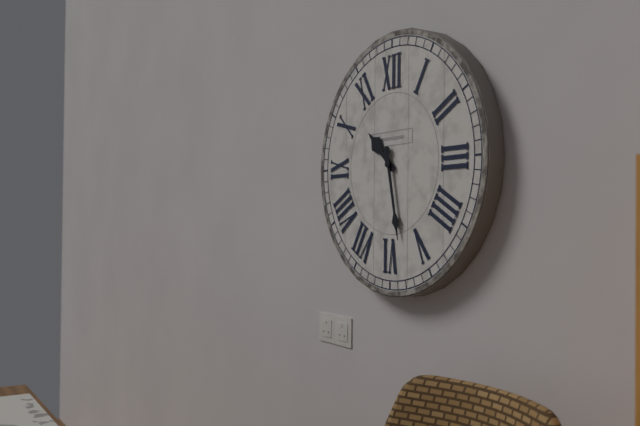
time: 10:28
